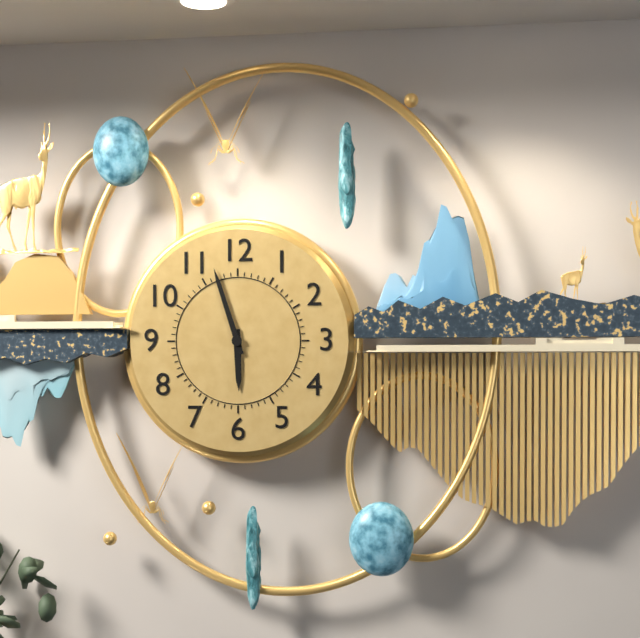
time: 5:57
